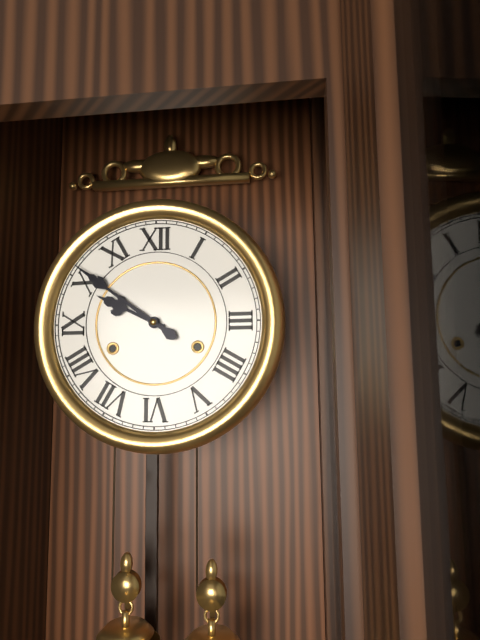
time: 9:51
